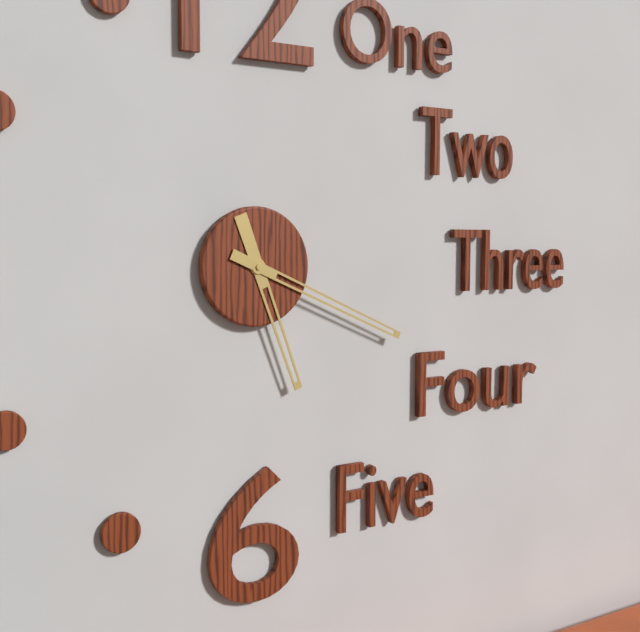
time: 5:19
